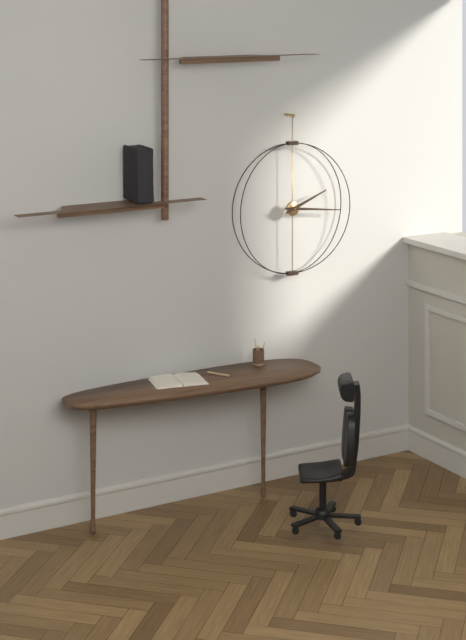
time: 2:16
